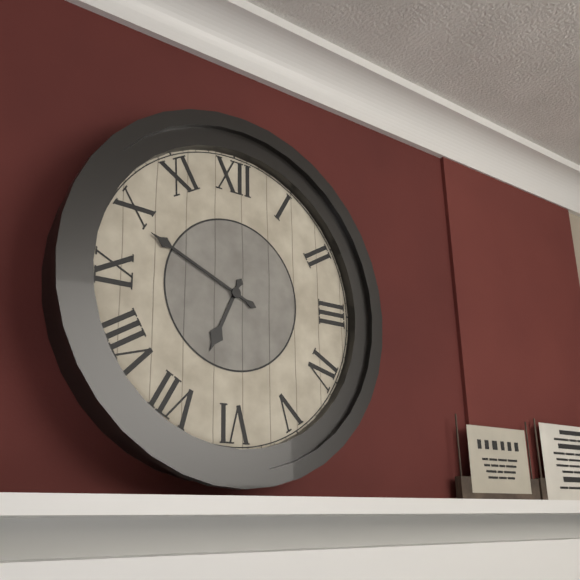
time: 6:49
